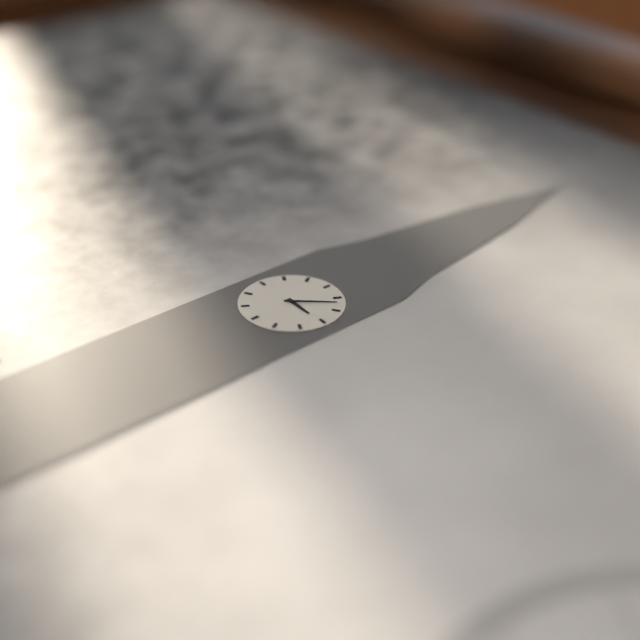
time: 3:07
